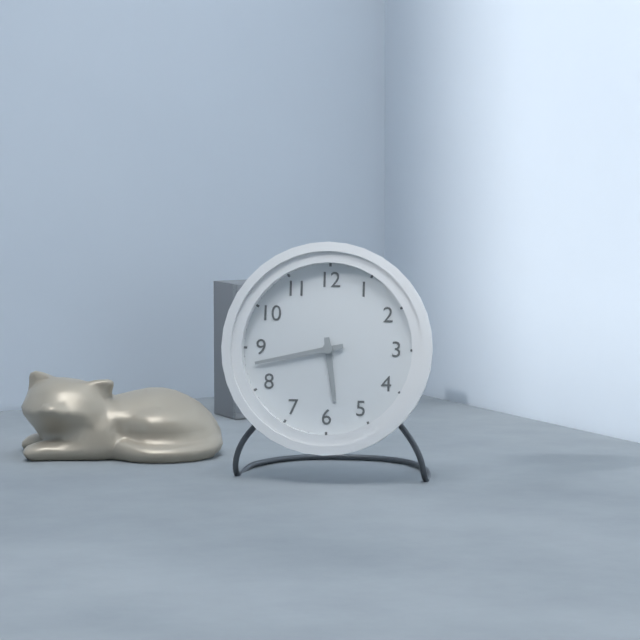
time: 5:43
